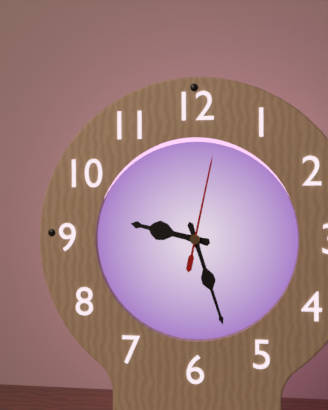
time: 9:27:02
